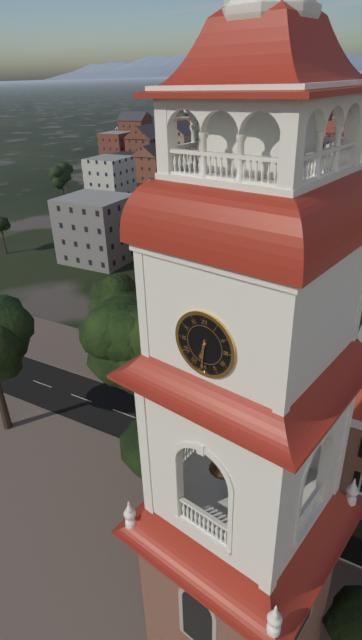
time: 6:31
